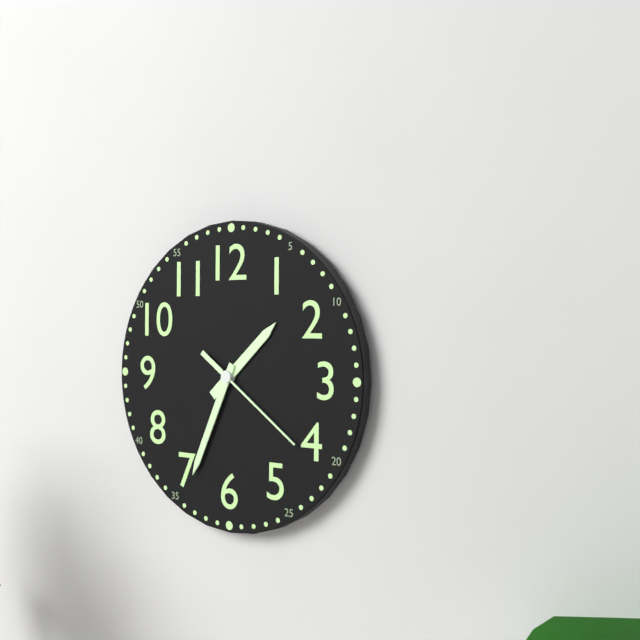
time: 1:34:21
